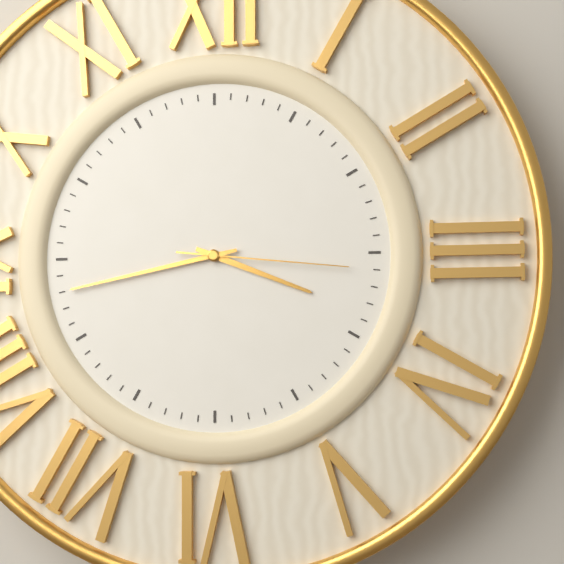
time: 3:43:16
